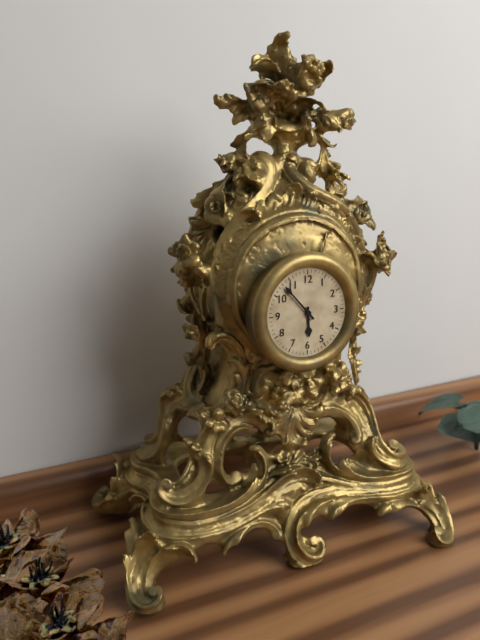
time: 5:53
